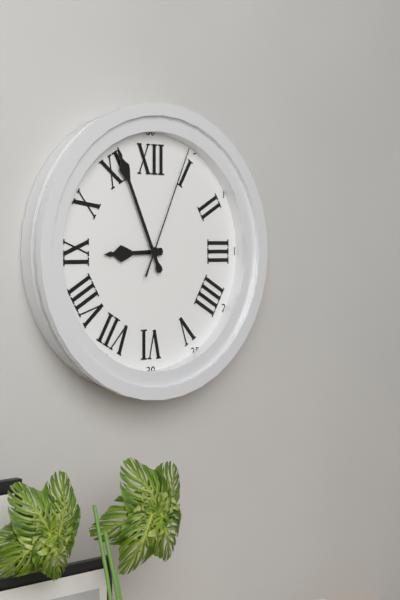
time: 8:56:04
